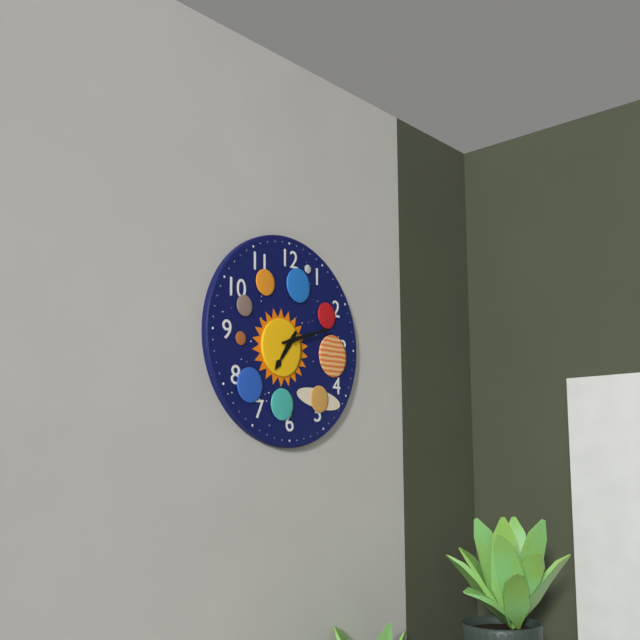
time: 7:12
